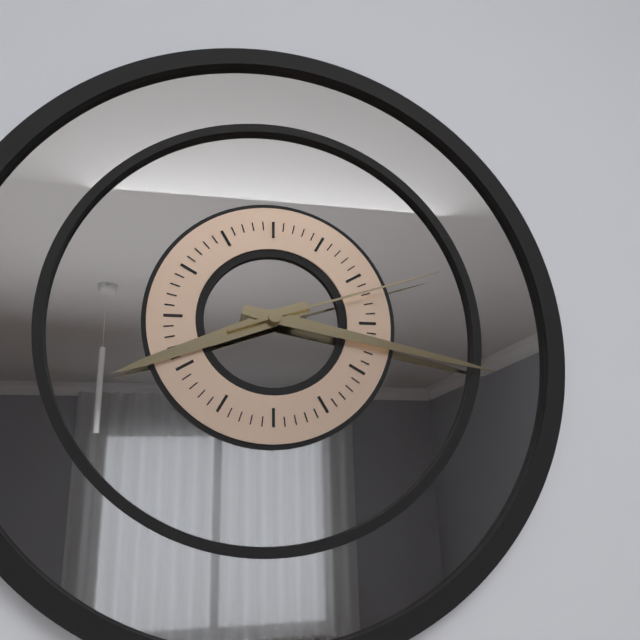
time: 8:17:12
